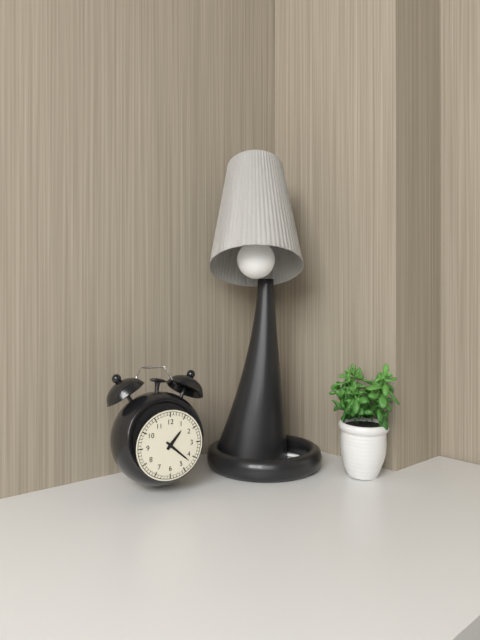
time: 1:22
